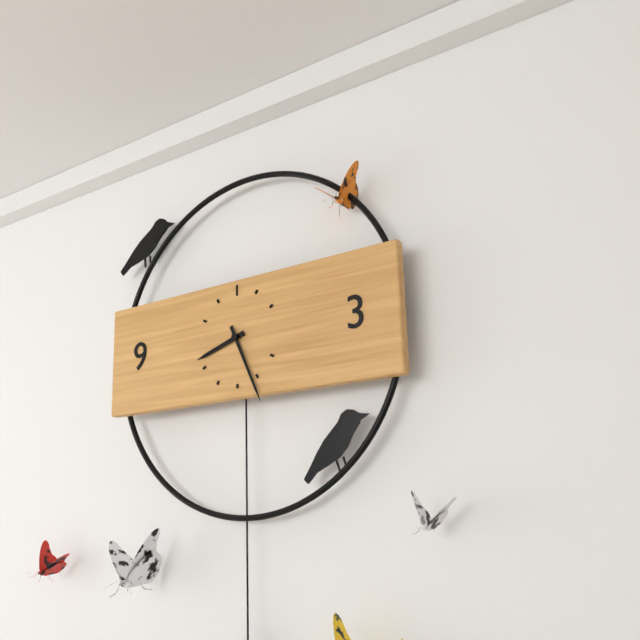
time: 8:26
